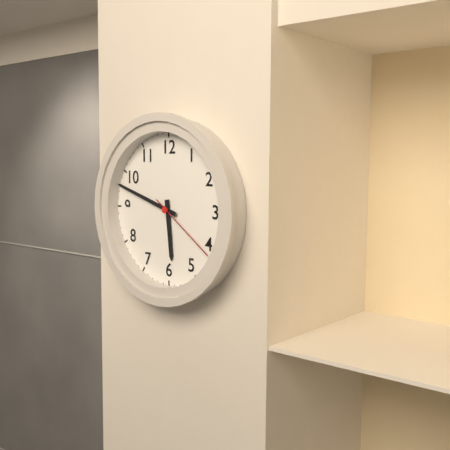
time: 5:48:21
